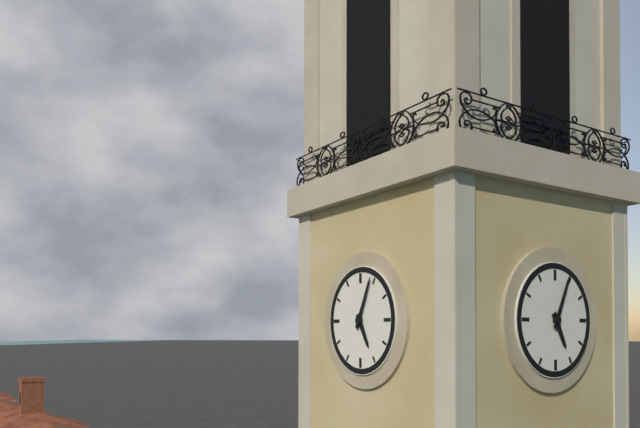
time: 5:04
